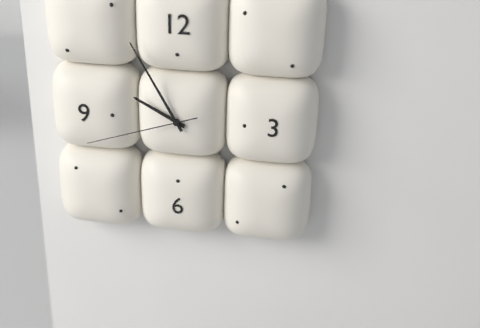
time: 9:55:42
